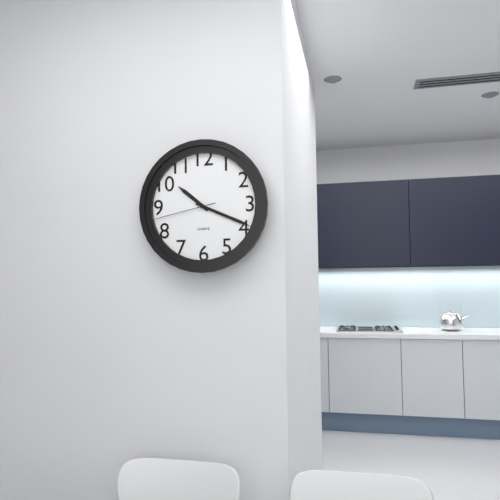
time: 10:19:43
